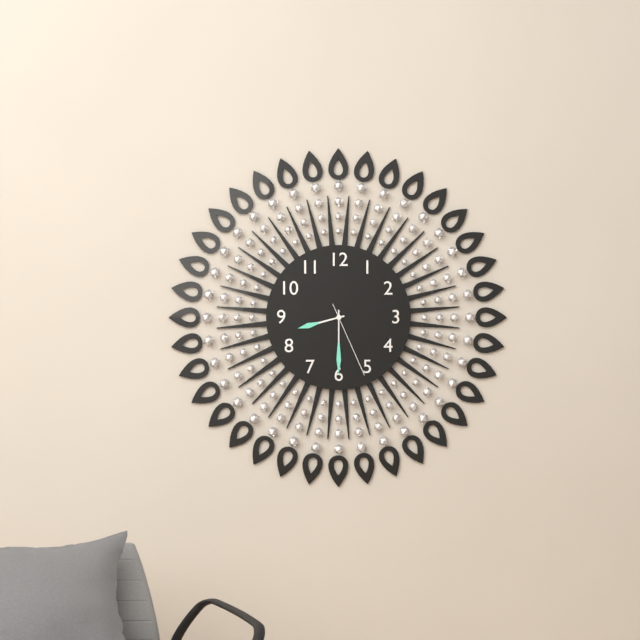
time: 8:30:26
